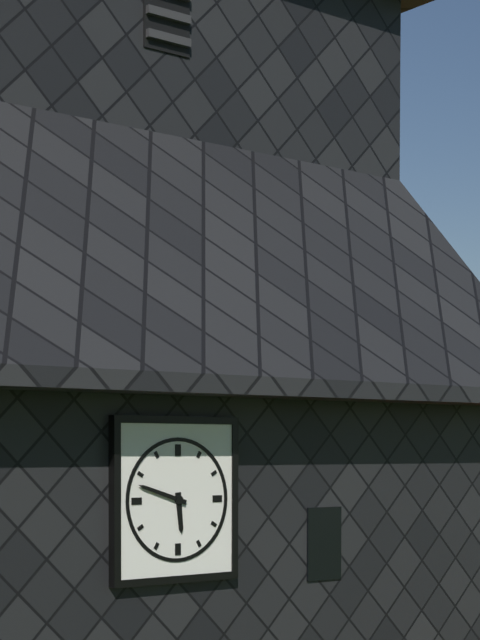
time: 5:48
